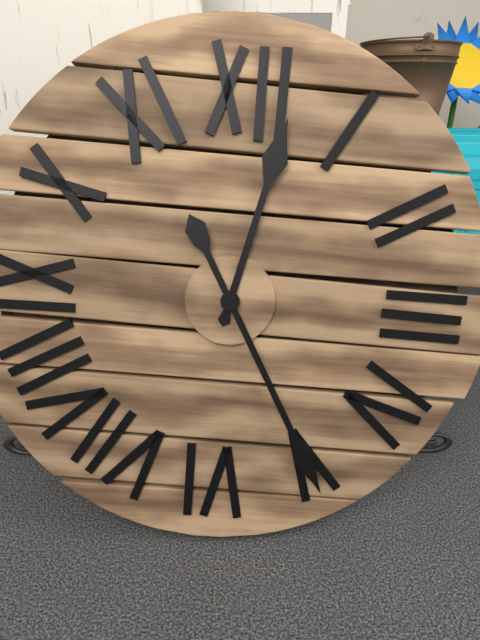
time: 12:25
